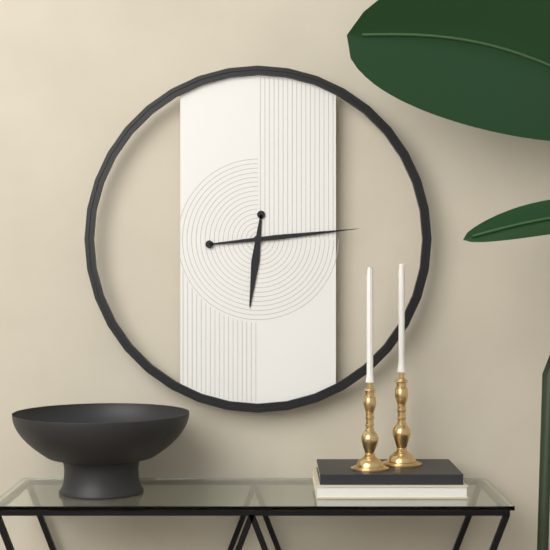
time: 6:14
